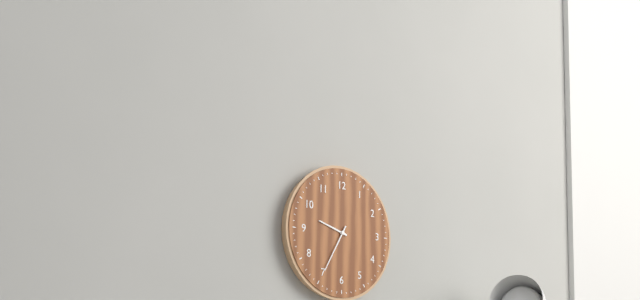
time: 9:35
